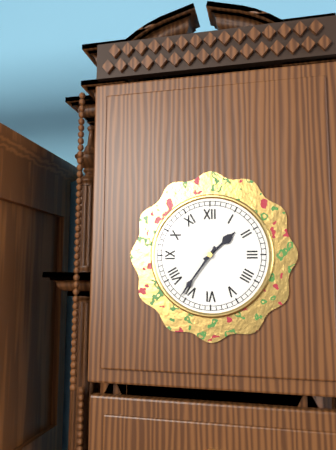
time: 1:36
